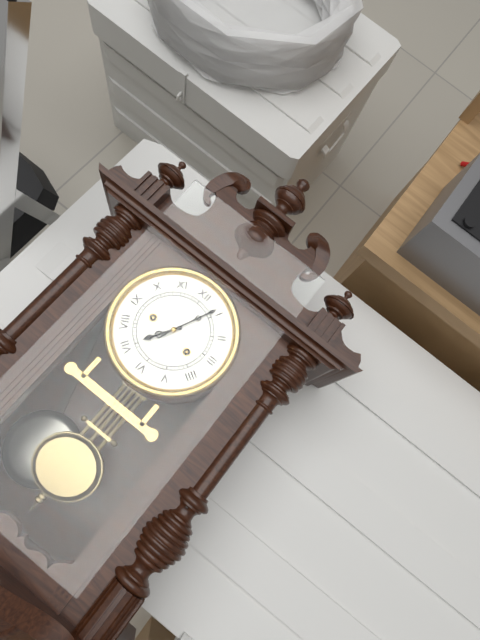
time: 7:04
